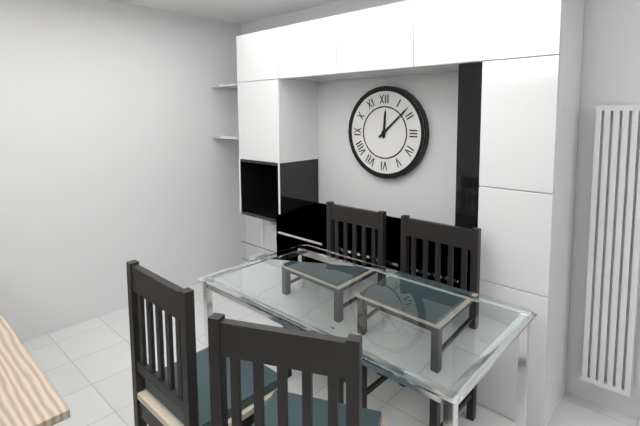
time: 12:08
